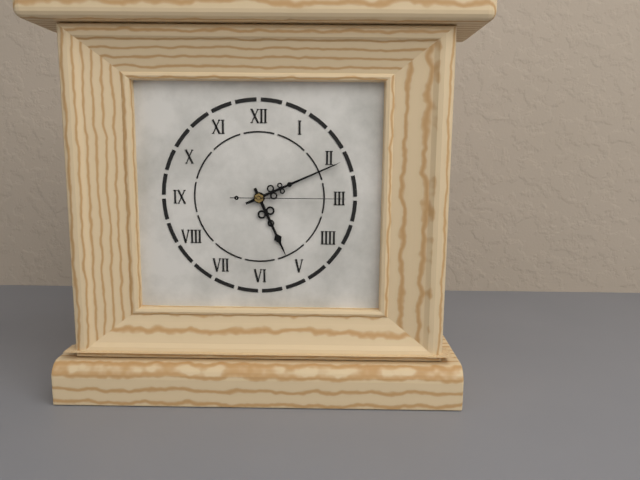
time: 5:11:15
